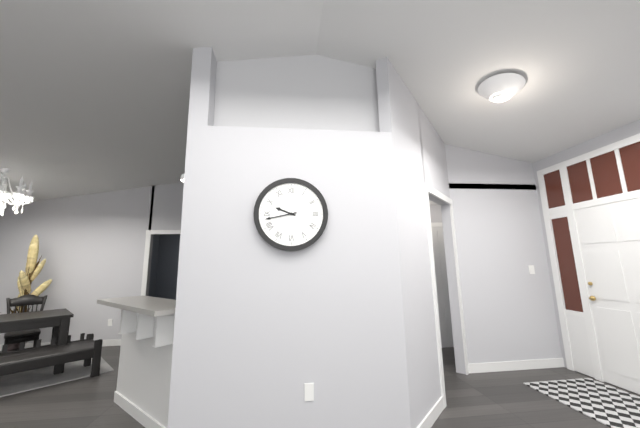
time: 9:43
